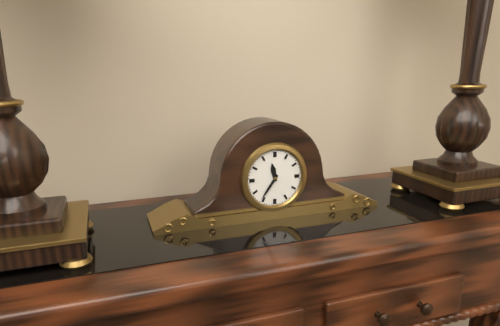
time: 11:36
